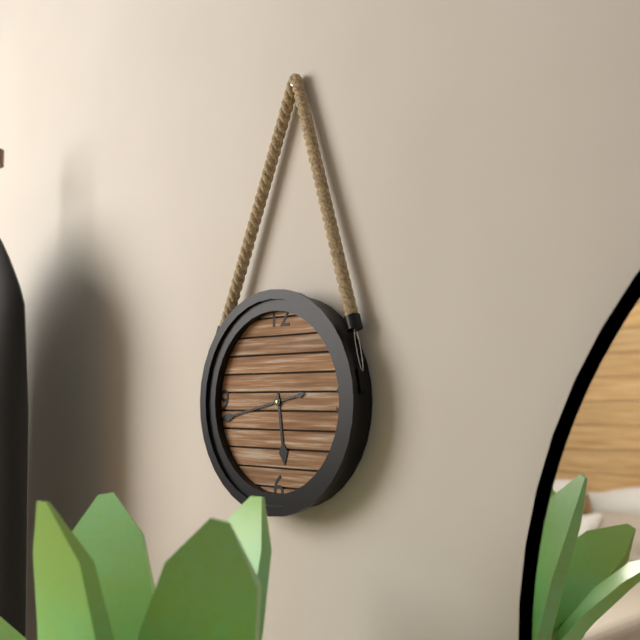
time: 5:43
